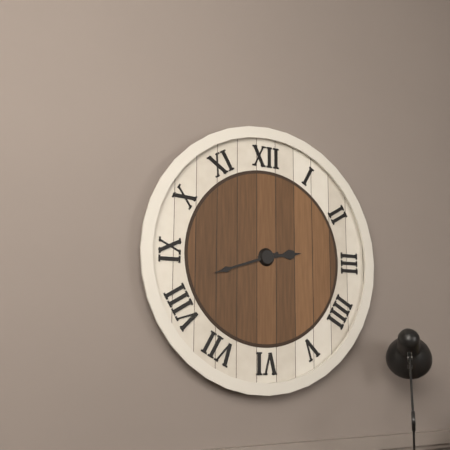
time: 2:42
